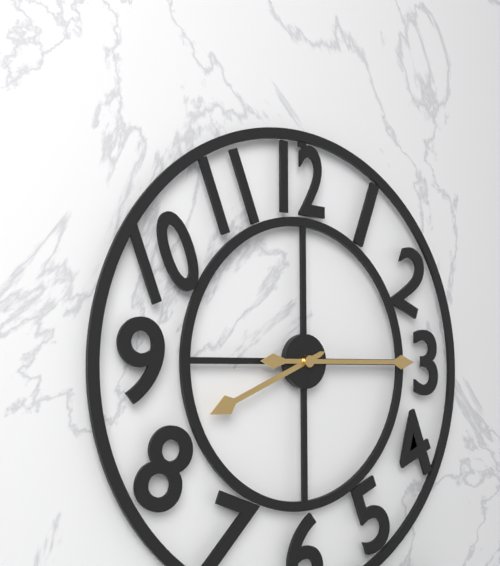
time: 8:15
